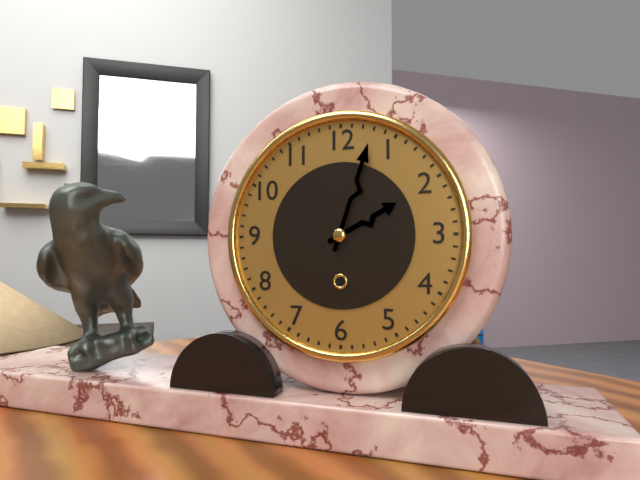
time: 2:03
